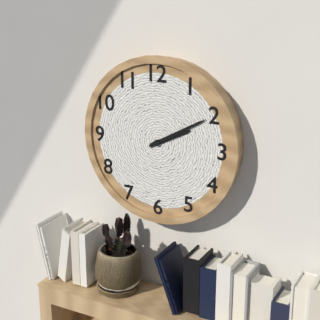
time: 2:10
